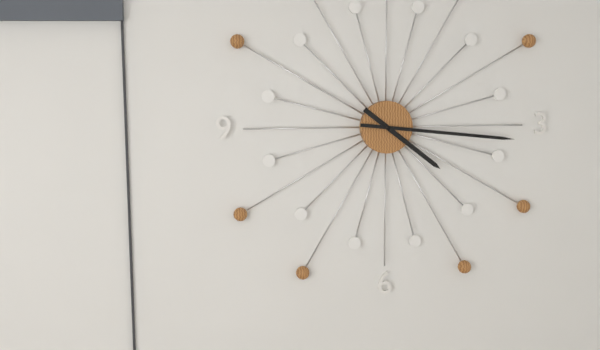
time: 4:16
